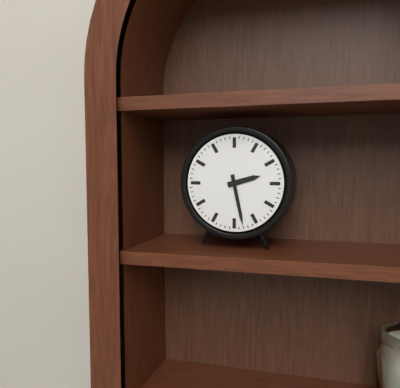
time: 2:28
